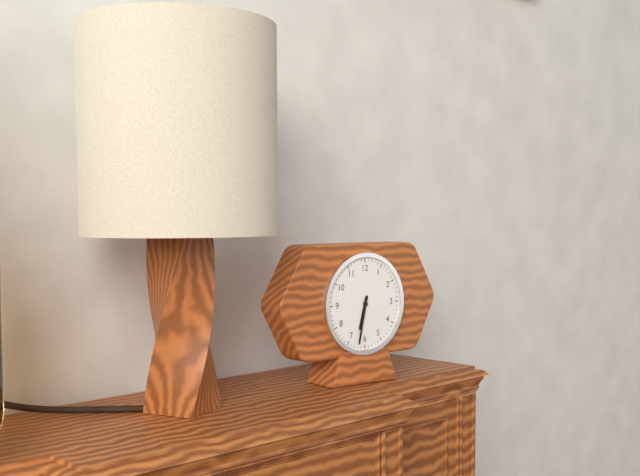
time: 6:32
